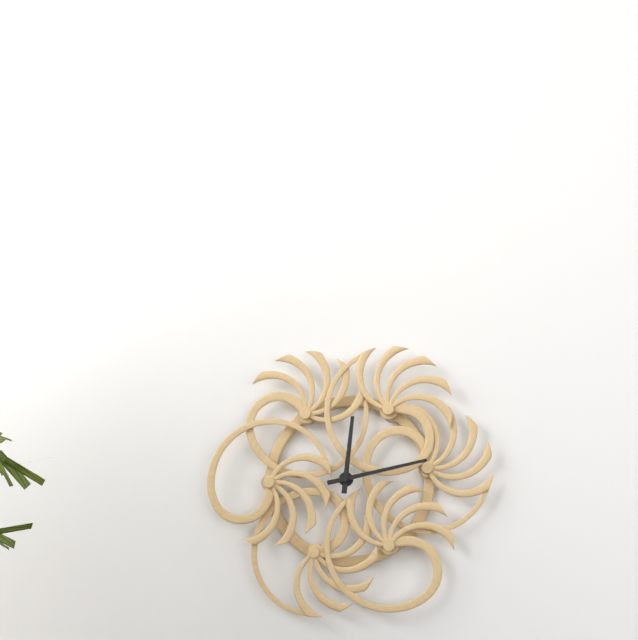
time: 12:13
